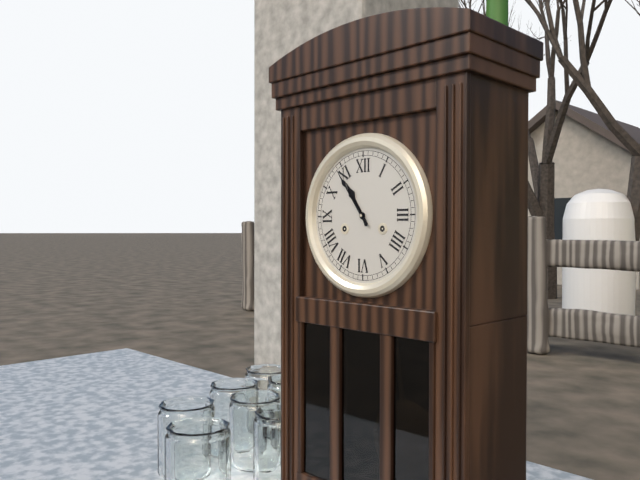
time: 10:54
